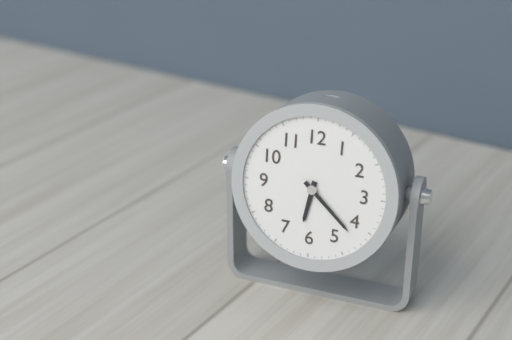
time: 6:22
